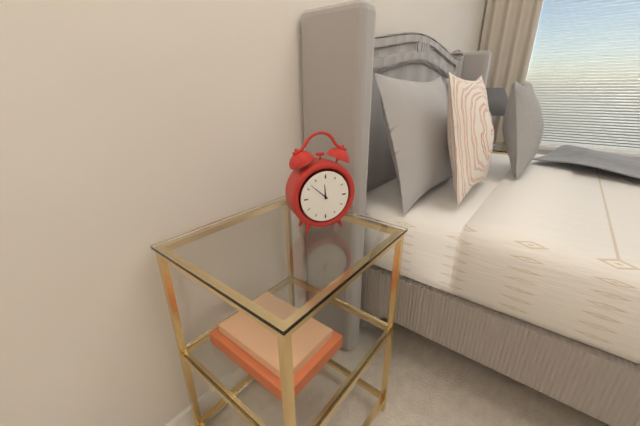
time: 11:52
